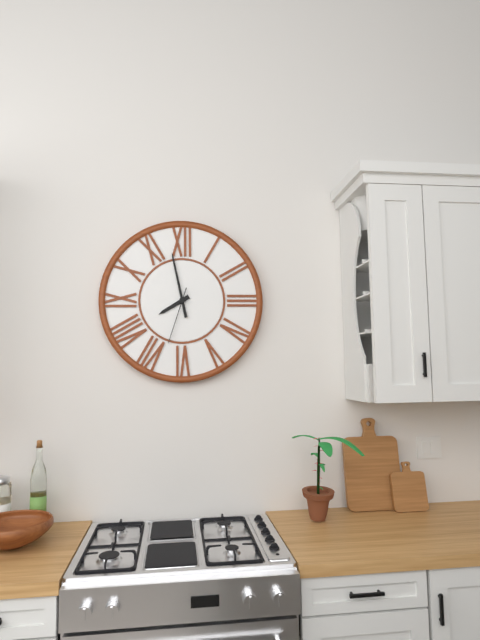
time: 7:58:33
